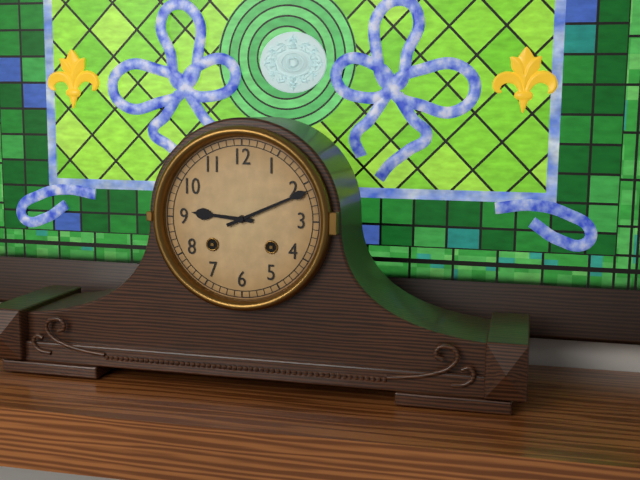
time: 9:11
